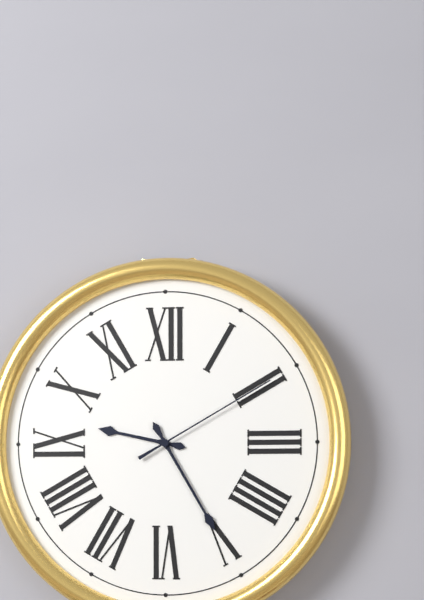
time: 9:25:10
